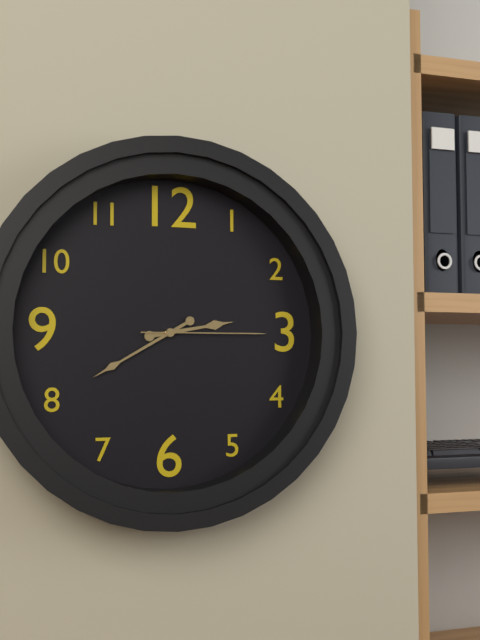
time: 2:40:15
